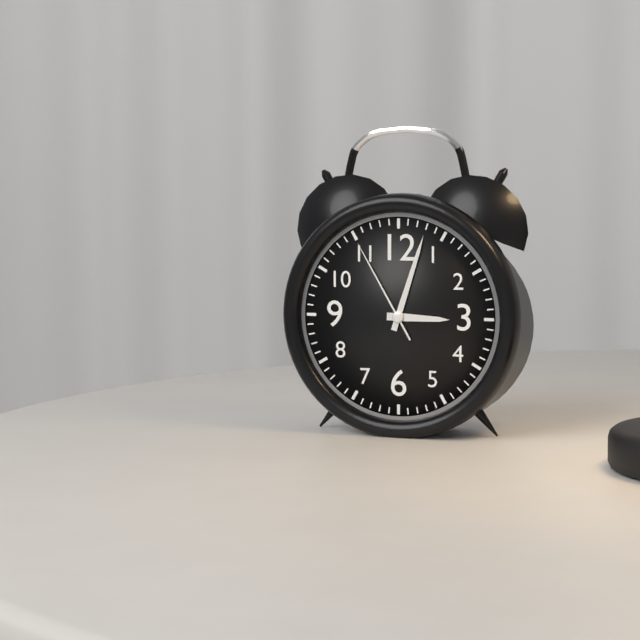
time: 3:03:55
